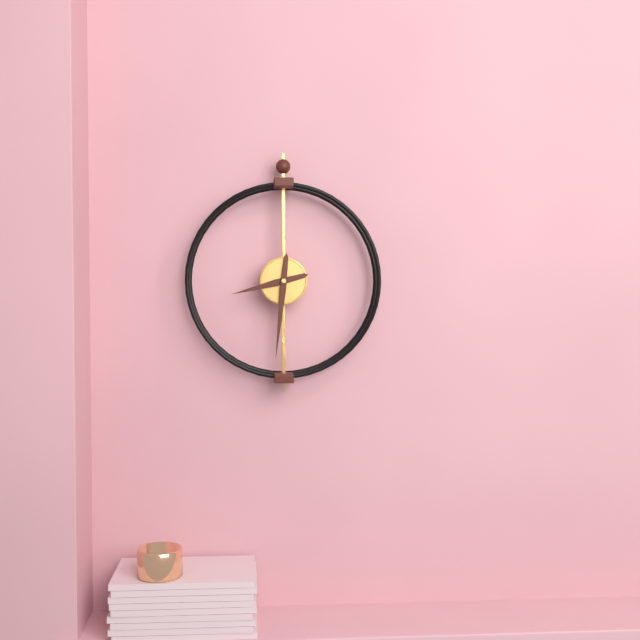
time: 8:31
